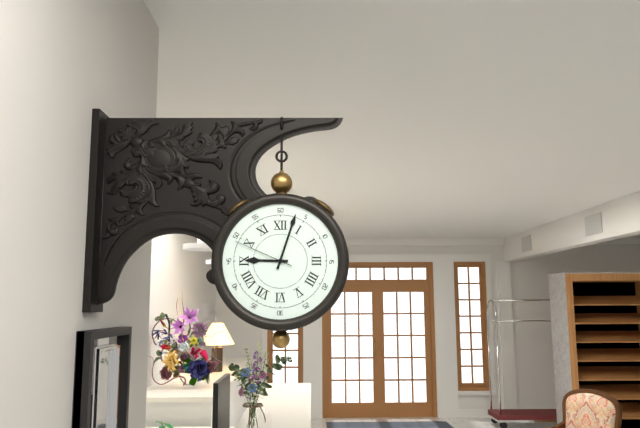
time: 9:03:49
